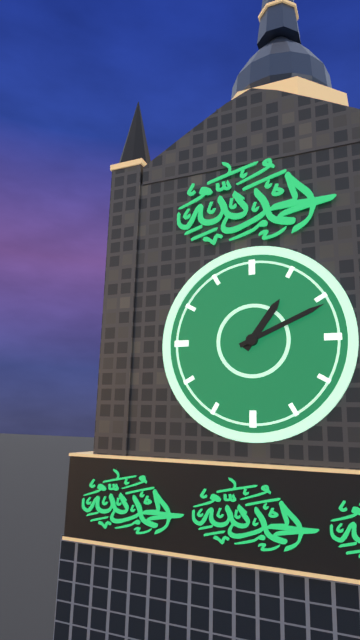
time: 1:11
